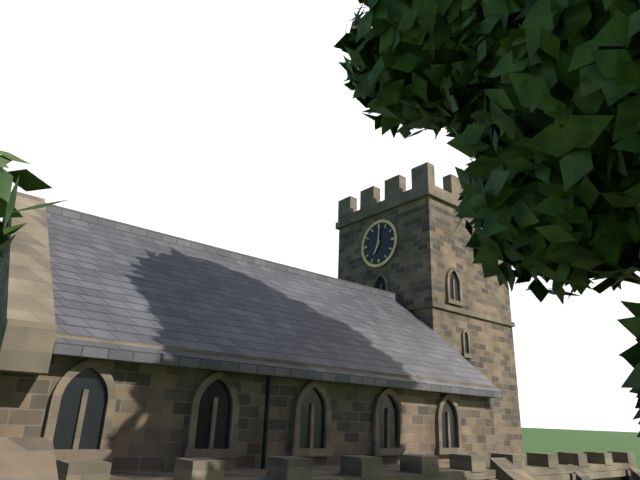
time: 7:01
